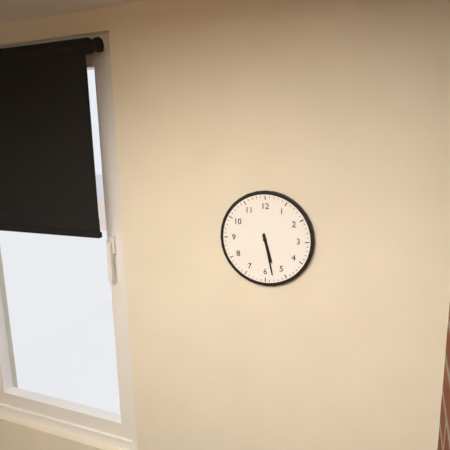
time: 5:28
